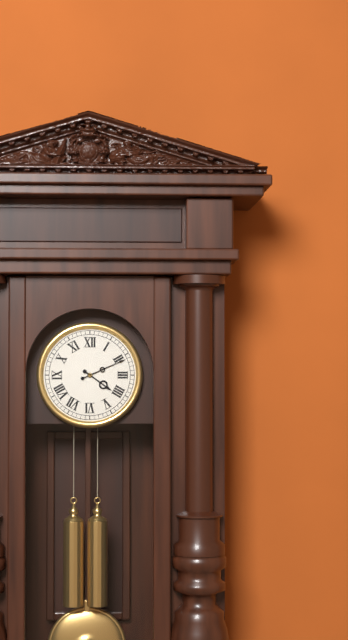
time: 4:11
